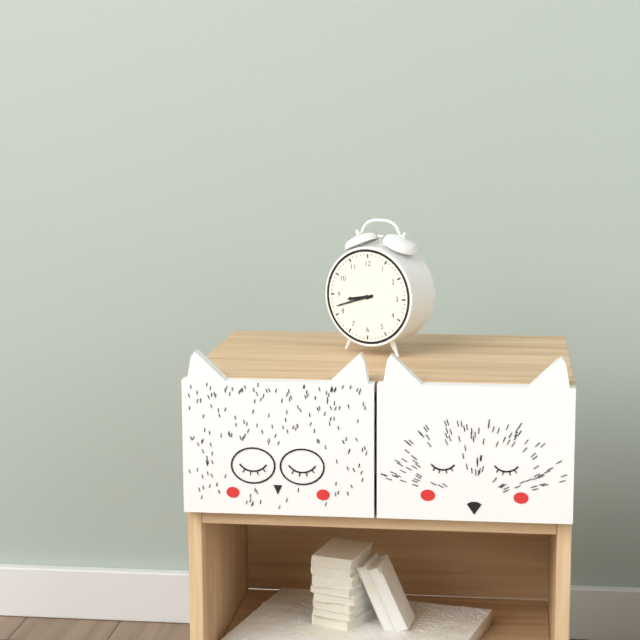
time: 8:42
